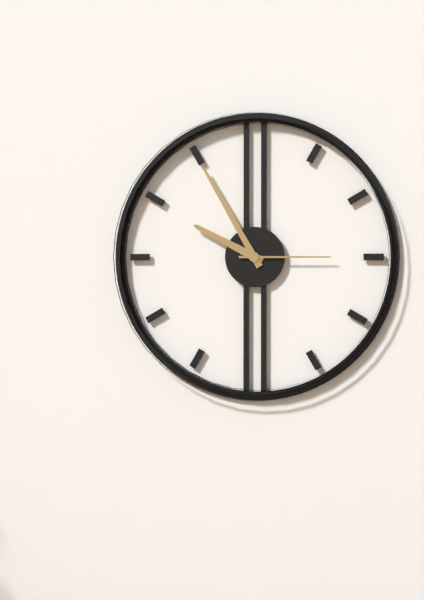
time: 9:55:15
